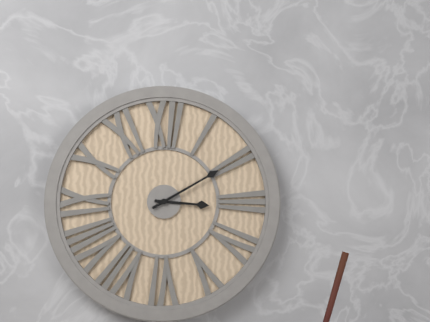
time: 3:10
